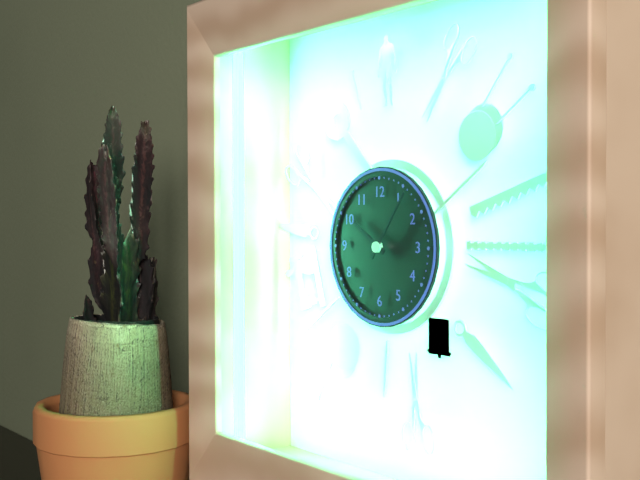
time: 10:06
